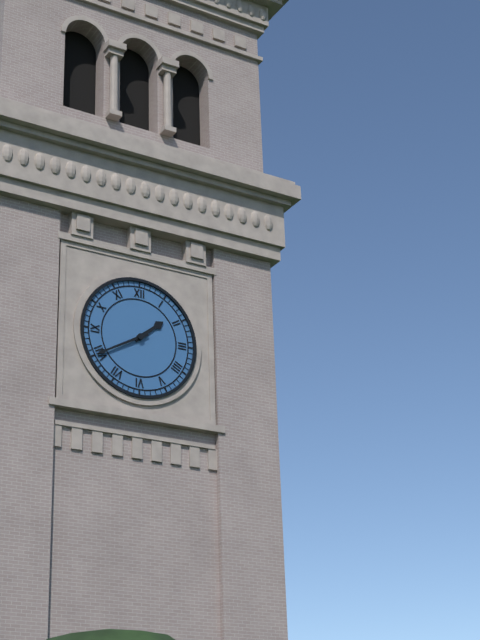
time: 1:40
